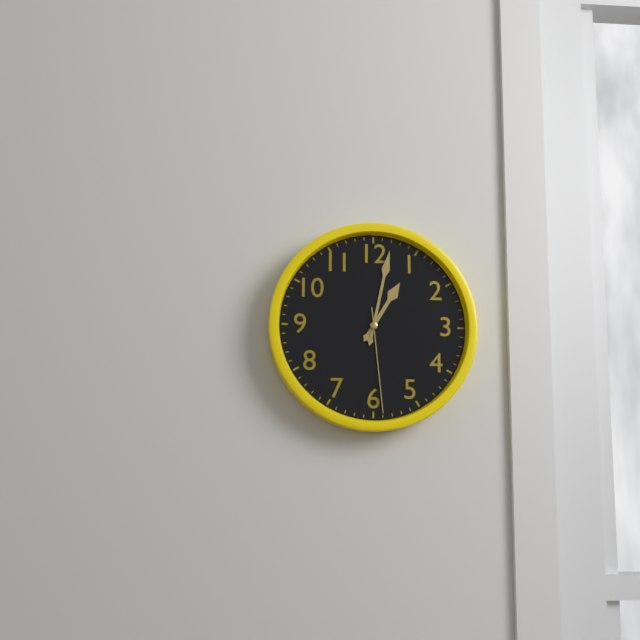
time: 1:02:29
